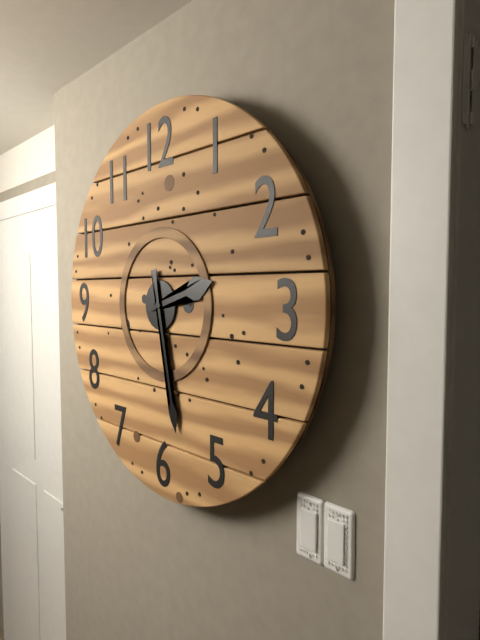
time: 2:28
